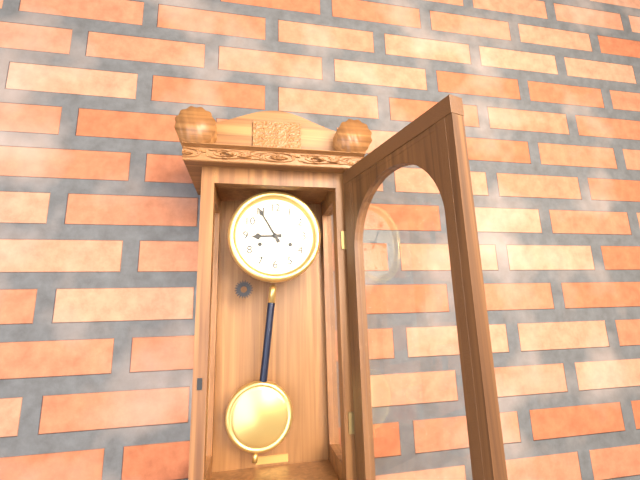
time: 8:55
